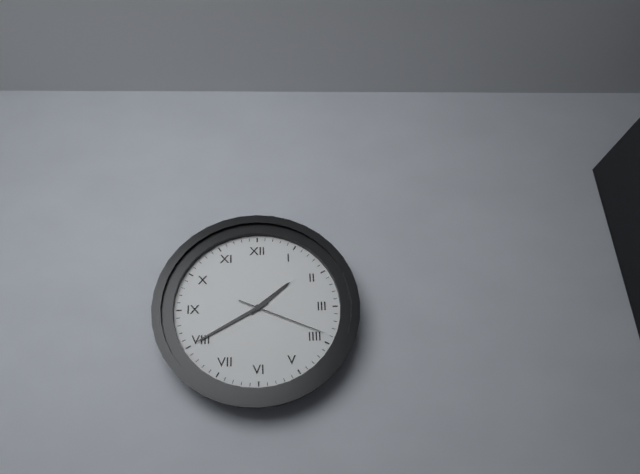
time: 1:40:19
